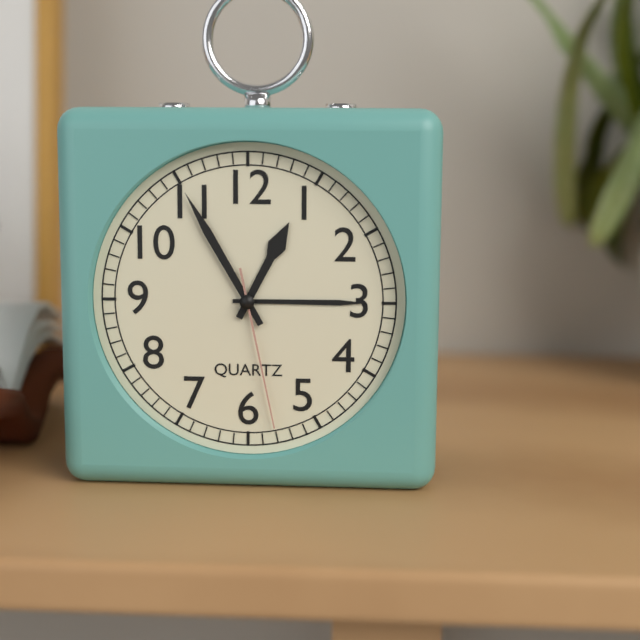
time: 12:55:28
